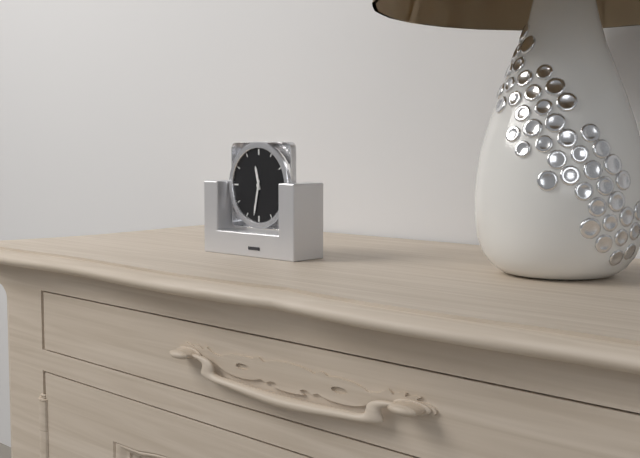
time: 11:32
